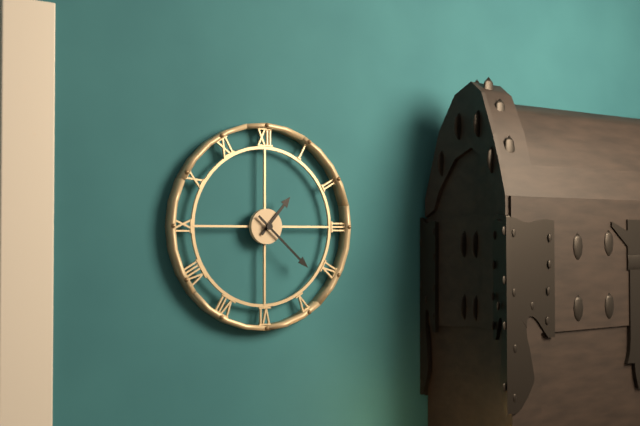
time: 1:22
